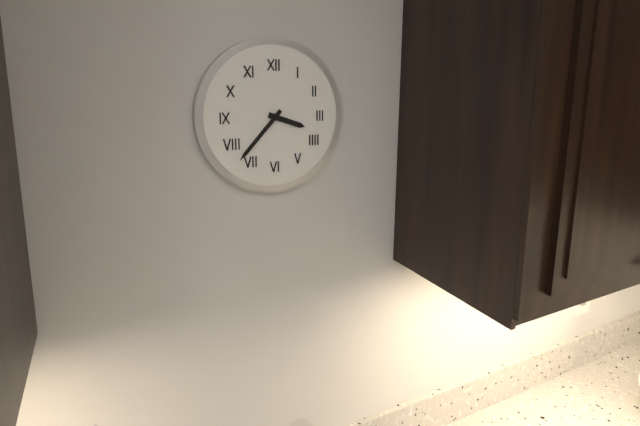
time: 3:37
